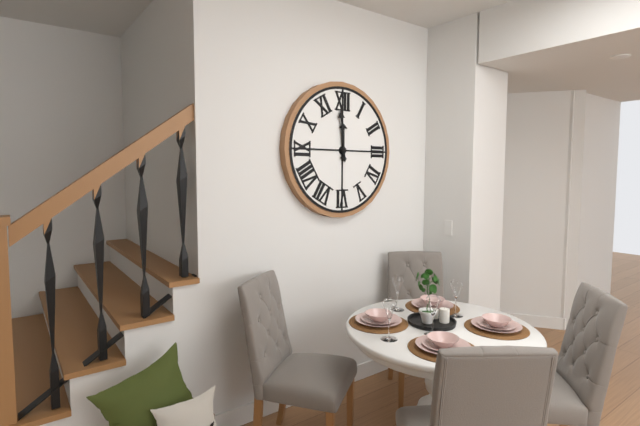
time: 11:59
